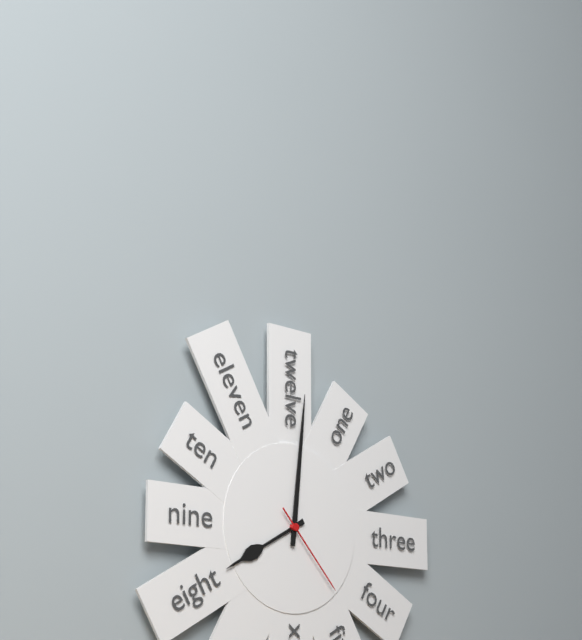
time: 8:01:23
